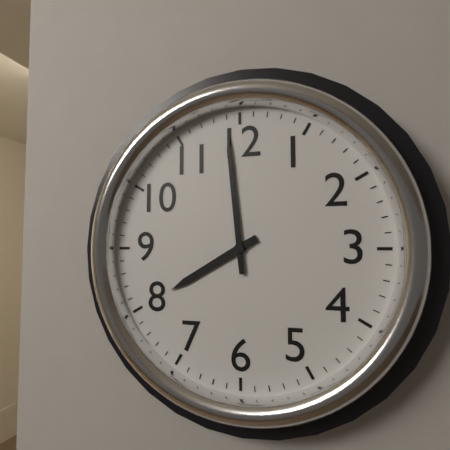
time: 7:59
